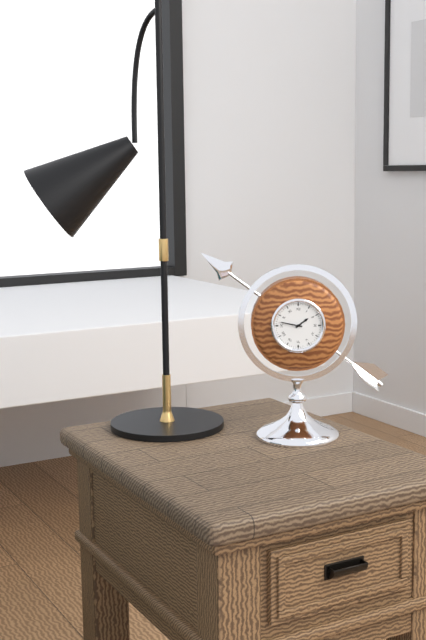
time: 1:47
